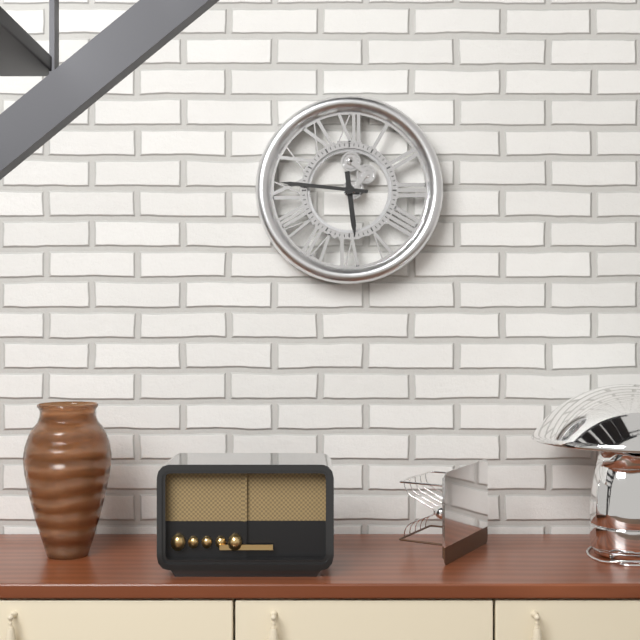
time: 5:46
